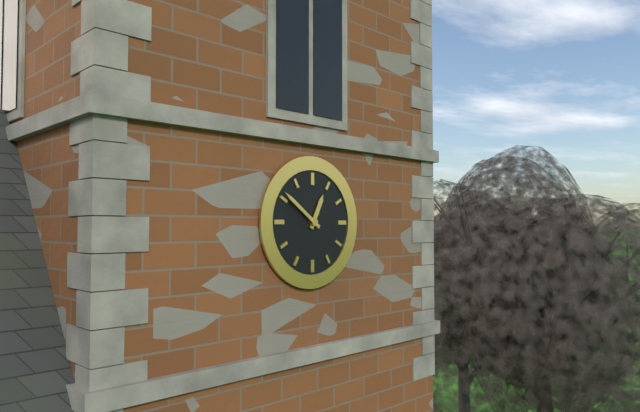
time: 12:51
